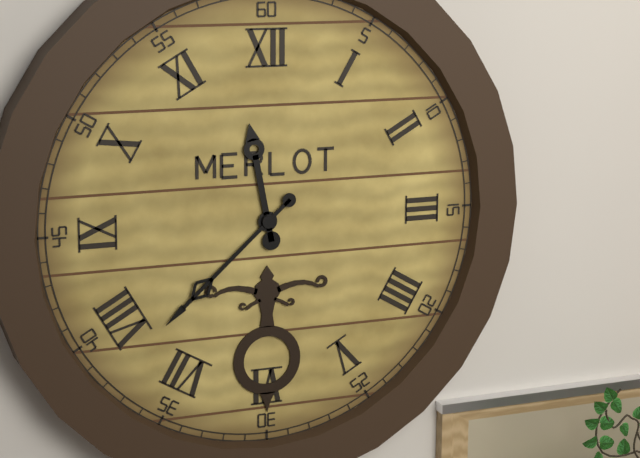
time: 11:38
